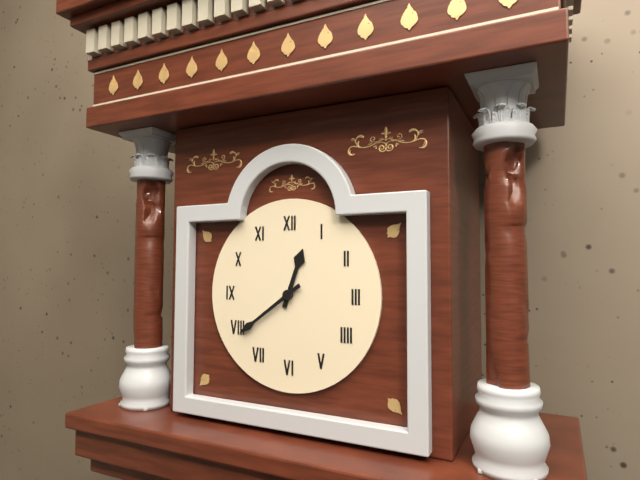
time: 12:39
